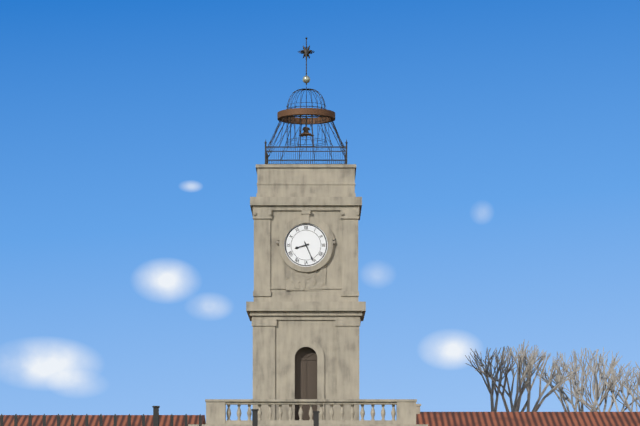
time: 8:26
